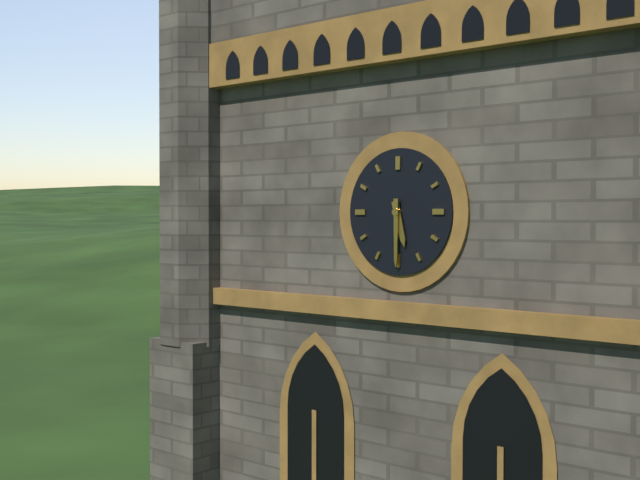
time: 5:30
